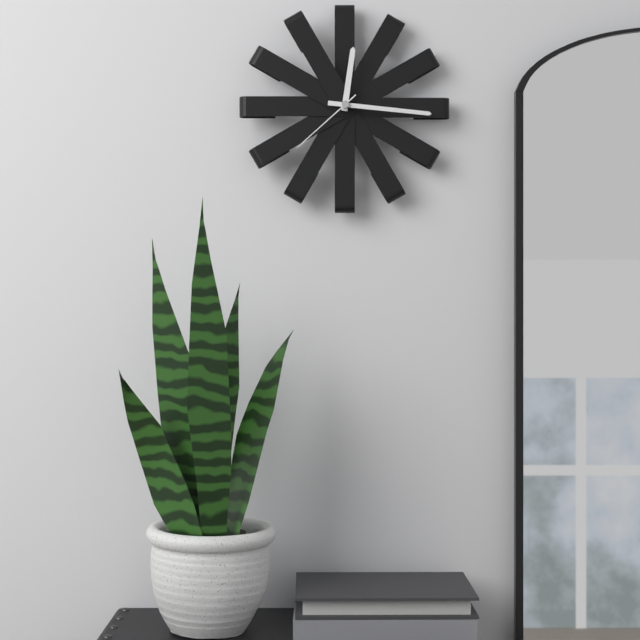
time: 12:16:38
